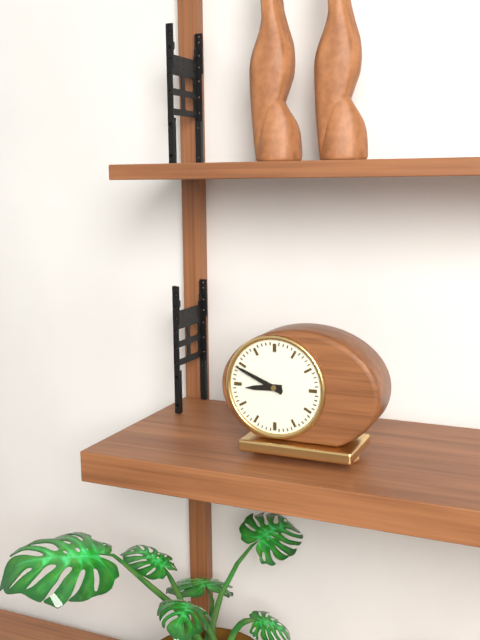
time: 8:49
